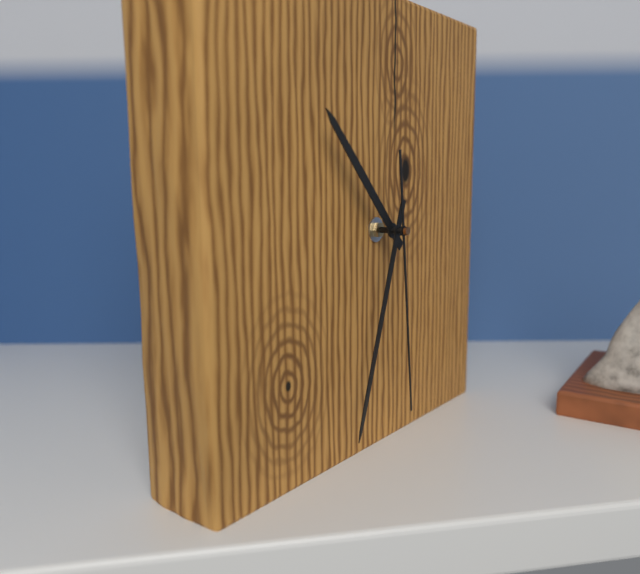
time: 10:33:29
